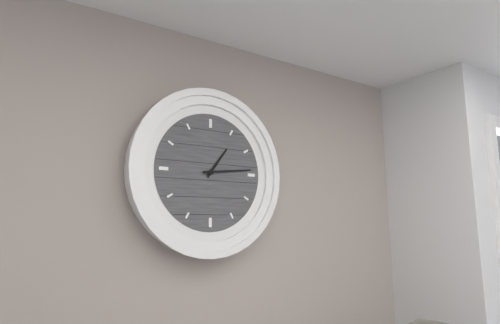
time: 1:14
